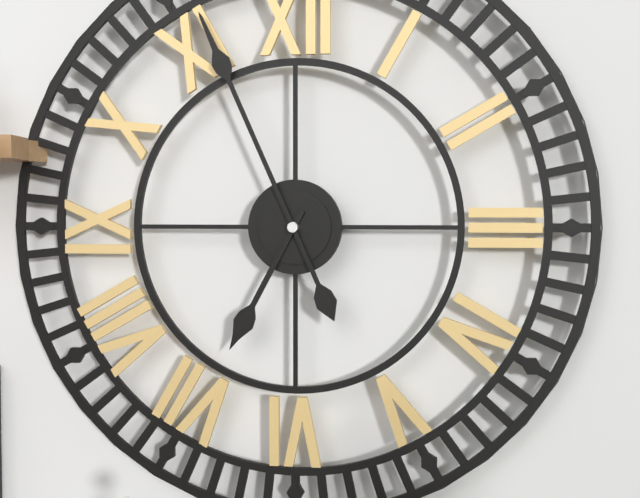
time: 6:56
